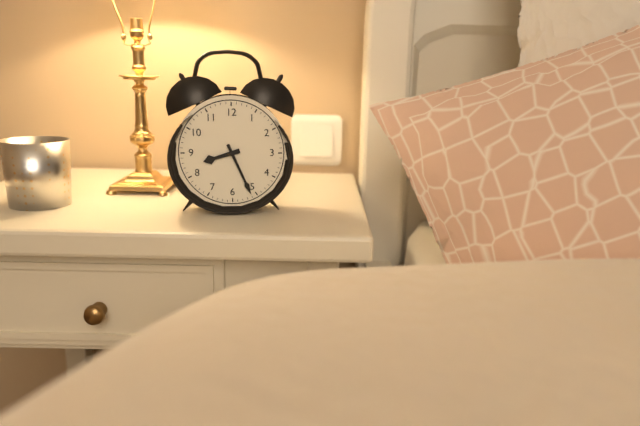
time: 8:26
